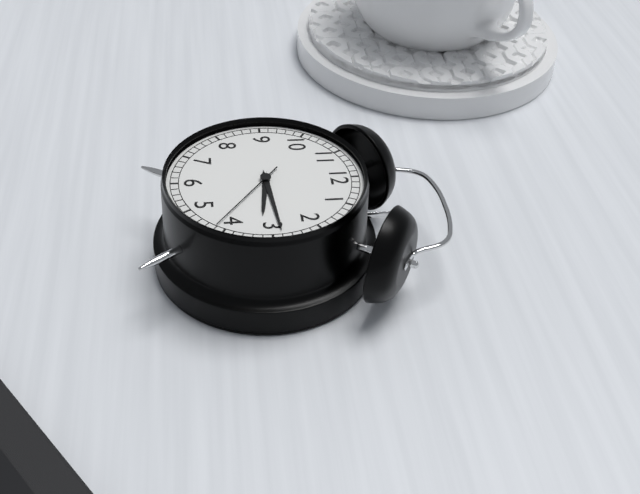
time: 3:14:21
